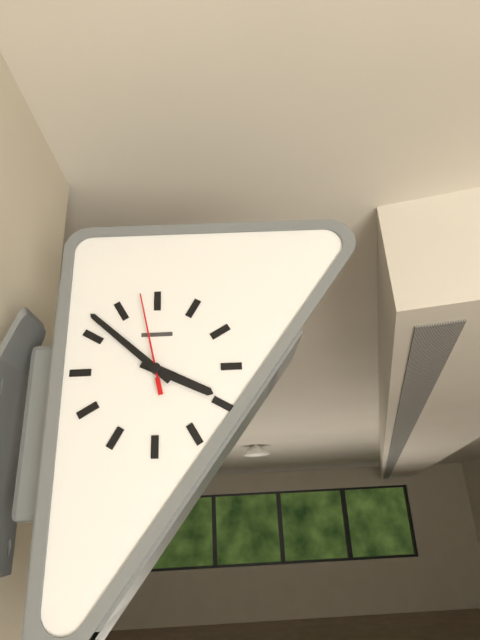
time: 3:52:58
